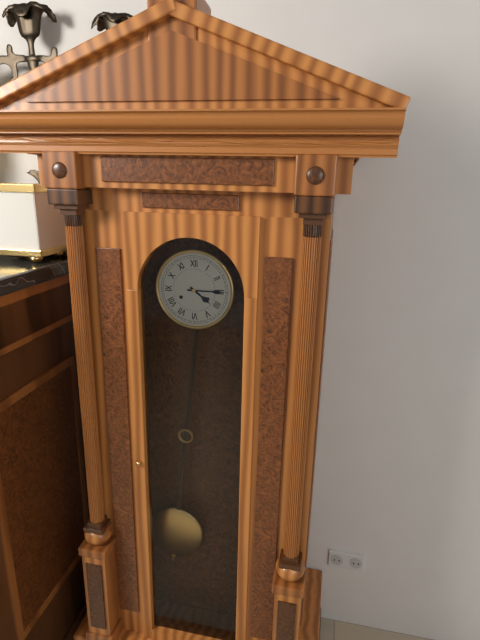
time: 4:15
